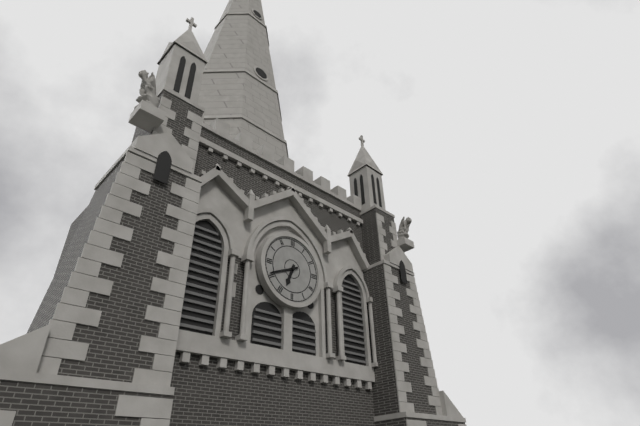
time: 6:41
